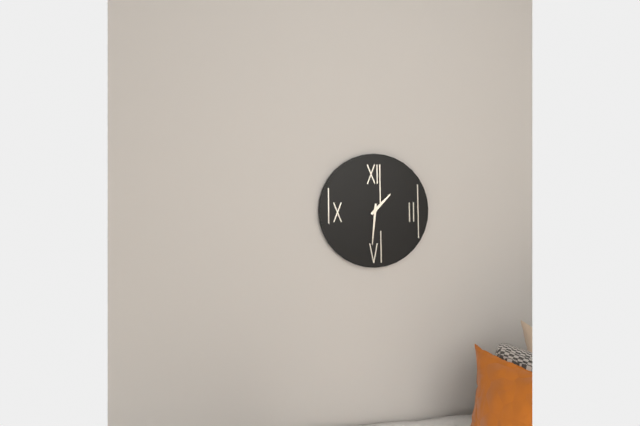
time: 1:31
